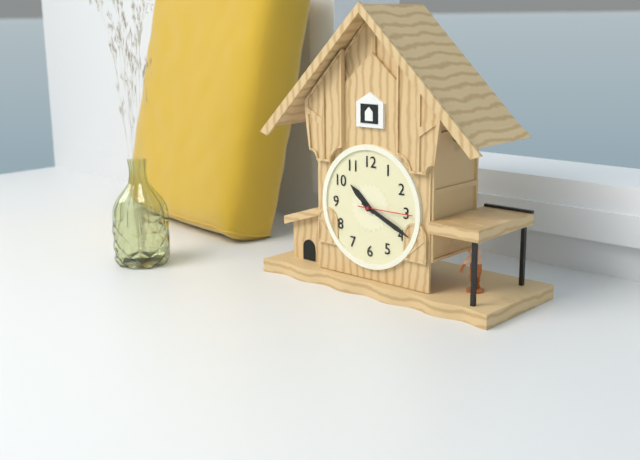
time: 10:19:15
